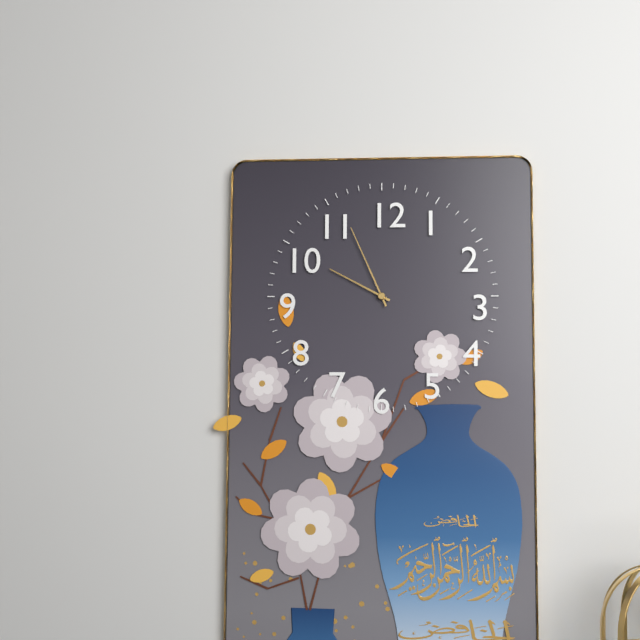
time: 9:56
